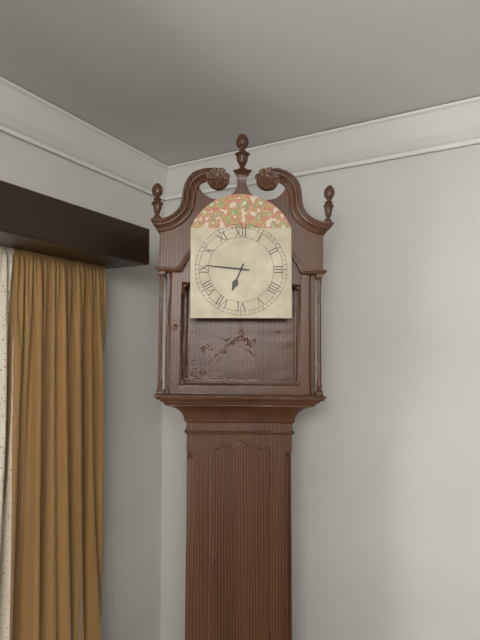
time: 6:46
